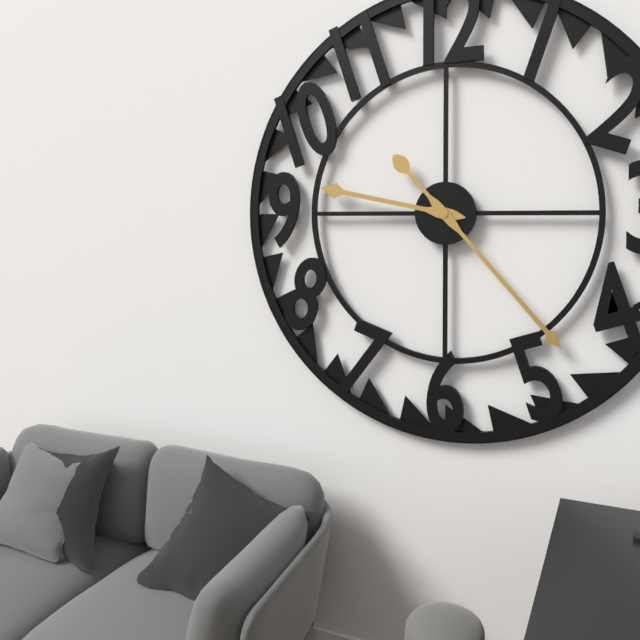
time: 9:23
